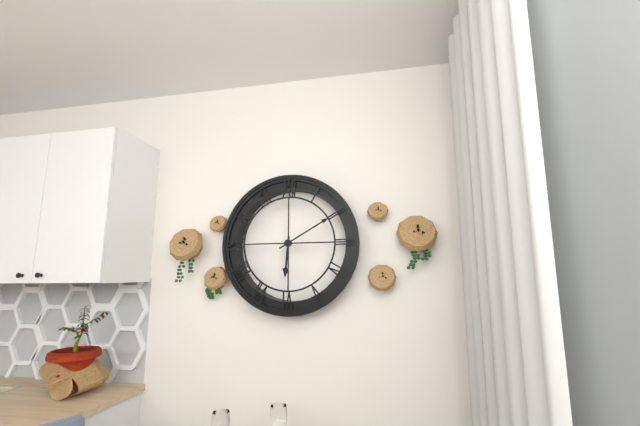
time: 6:10
